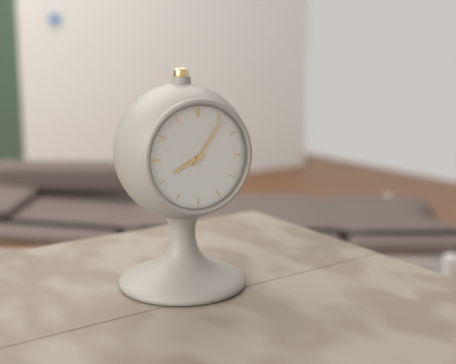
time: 8:06
